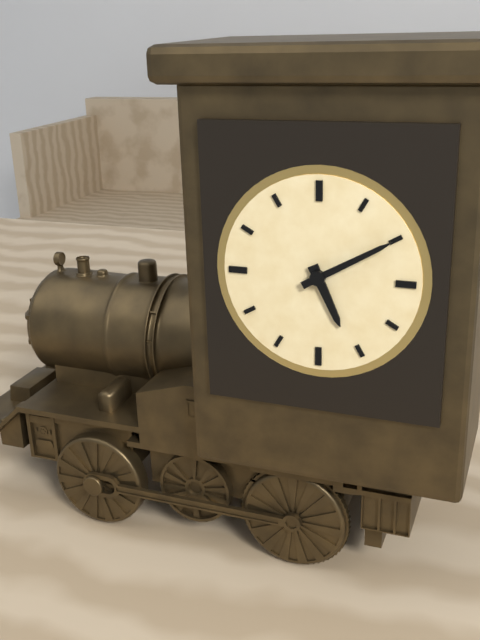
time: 5:10
